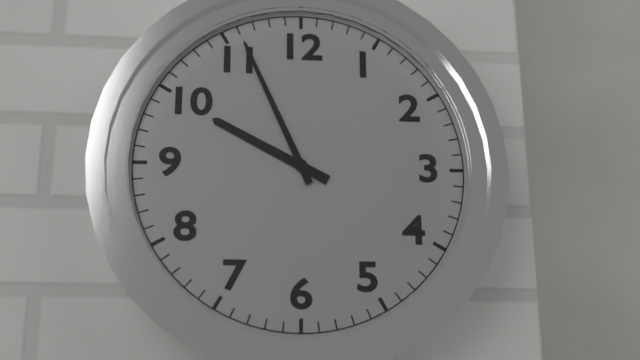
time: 9:56
